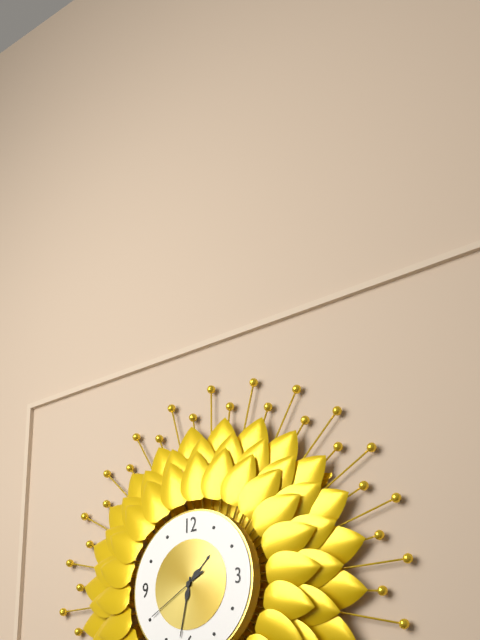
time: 1:32:40
